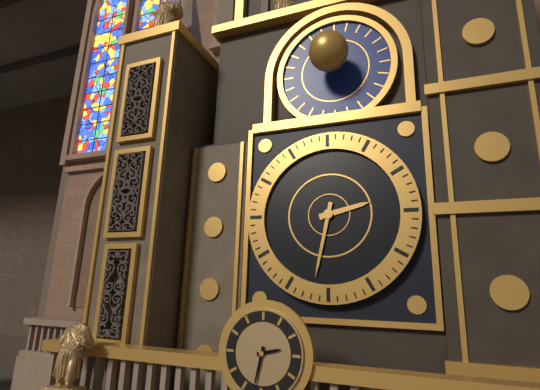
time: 2:32
